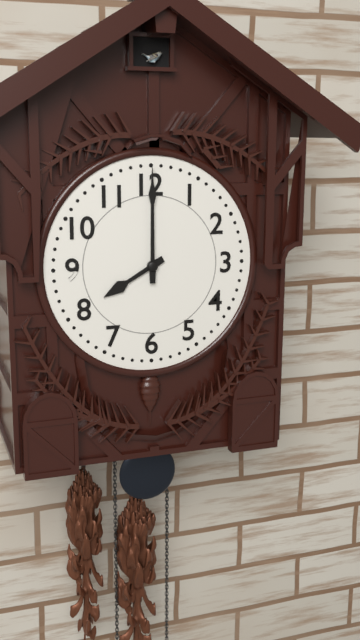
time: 8:00
